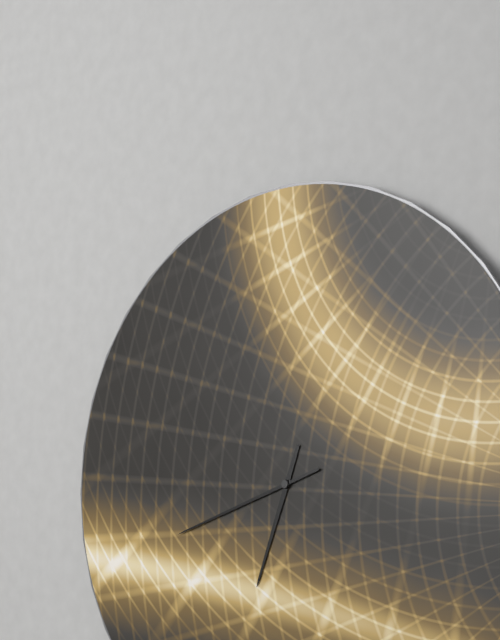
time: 6:42
